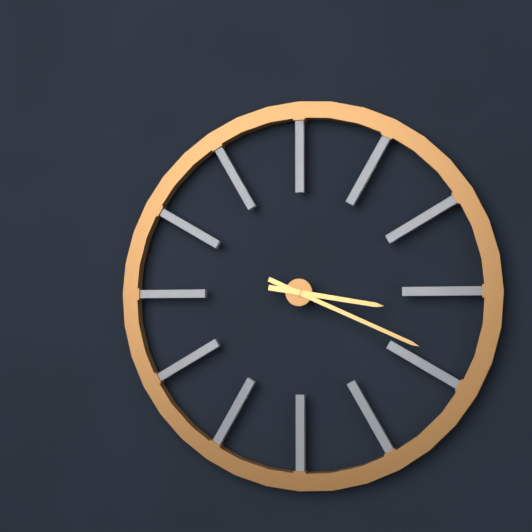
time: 3:19
